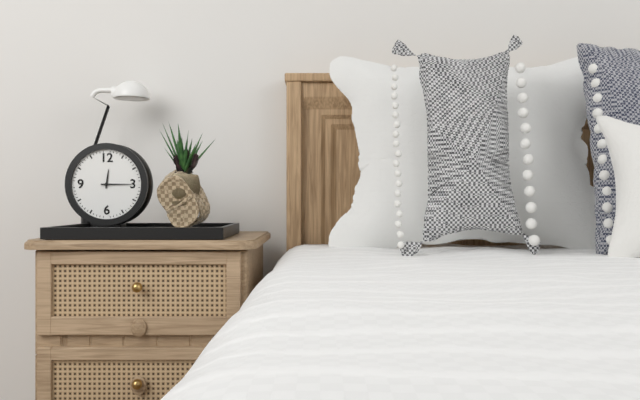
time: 12:15
